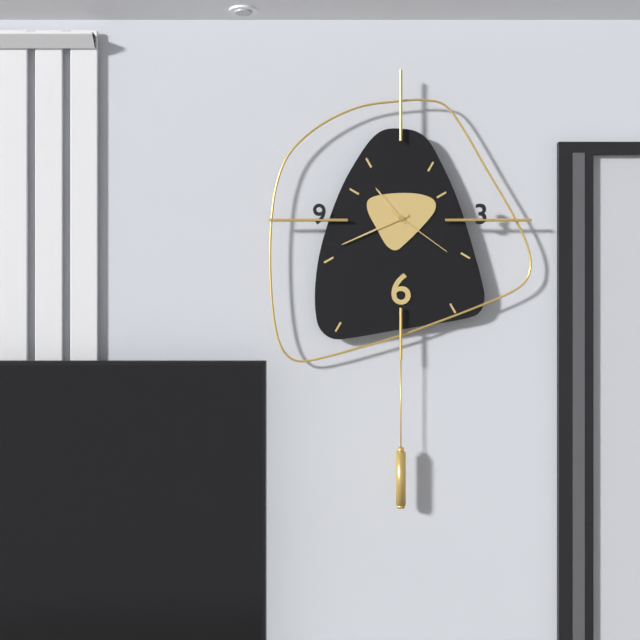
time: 10:41:21
